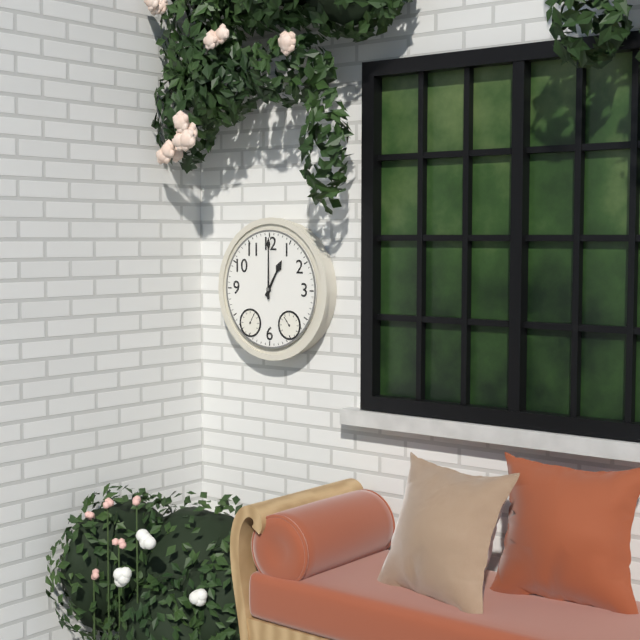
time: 1:00
